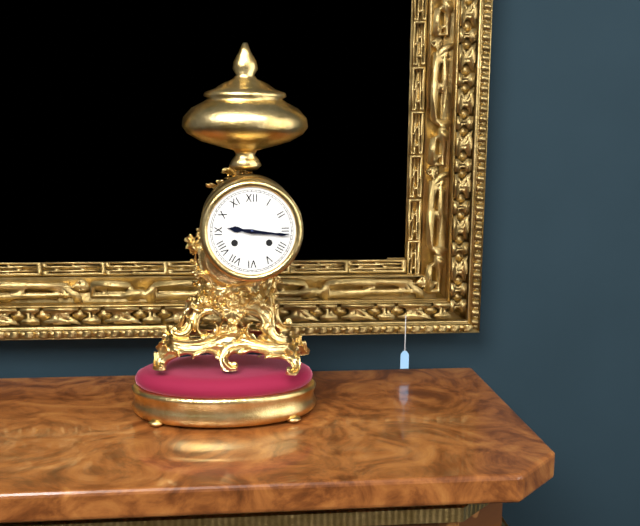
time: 9:16
